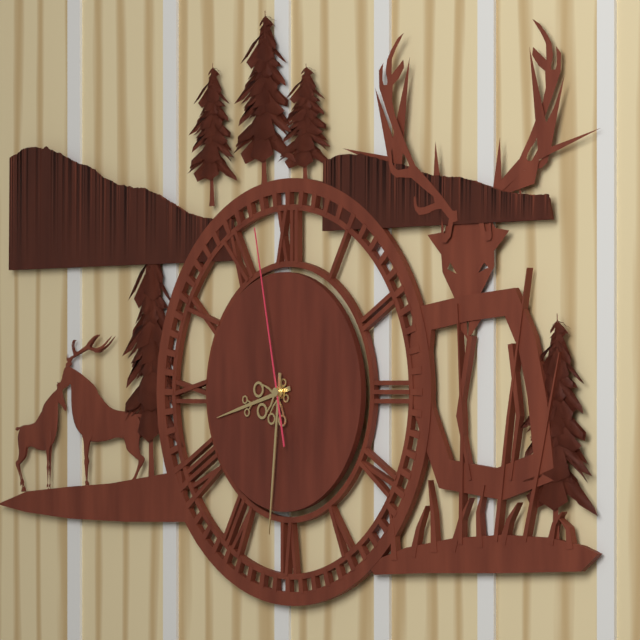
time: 8:31:58
